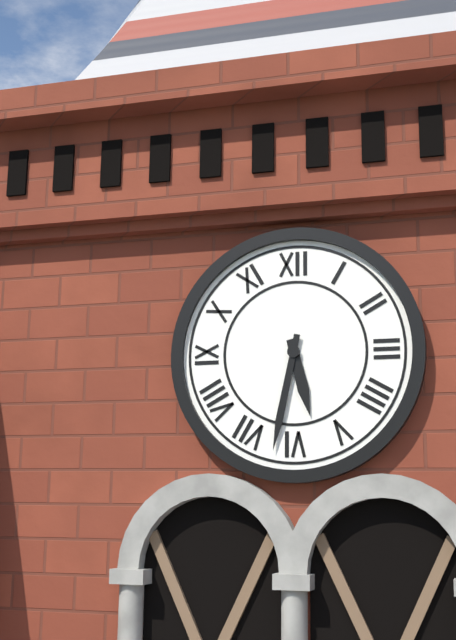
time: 5:32
